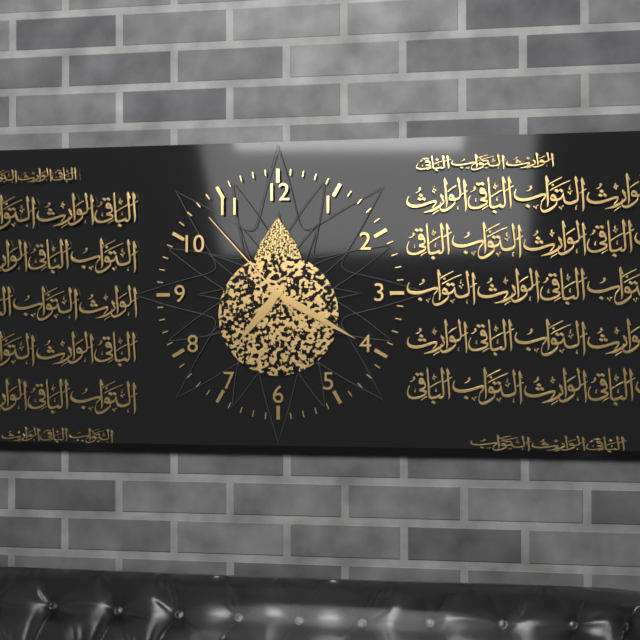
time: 7:20:53
